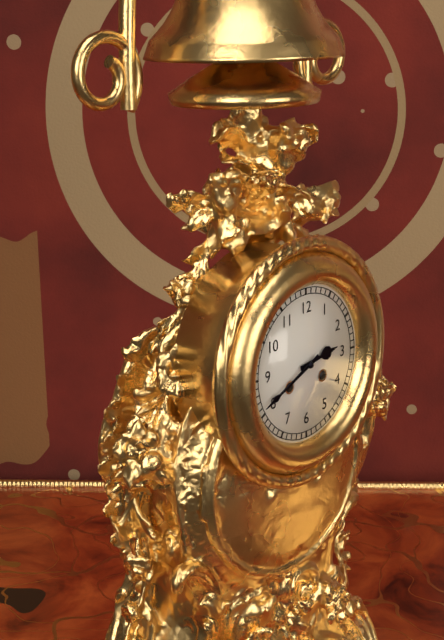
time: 2:41
